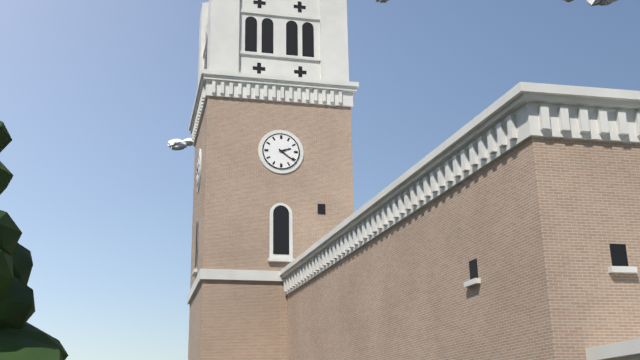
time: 2:21
